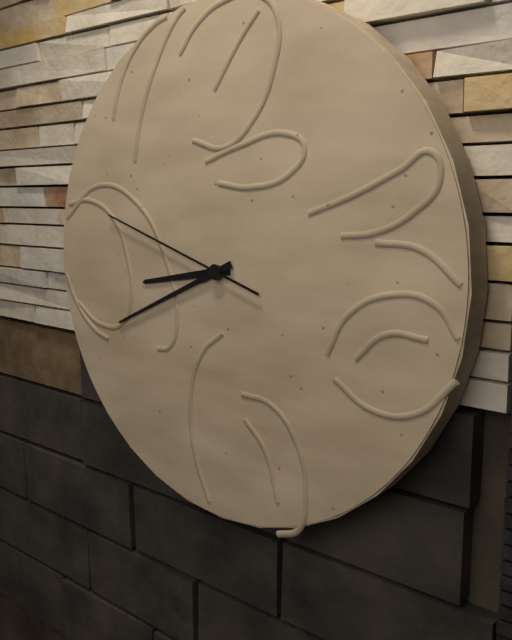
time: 8:41:48
